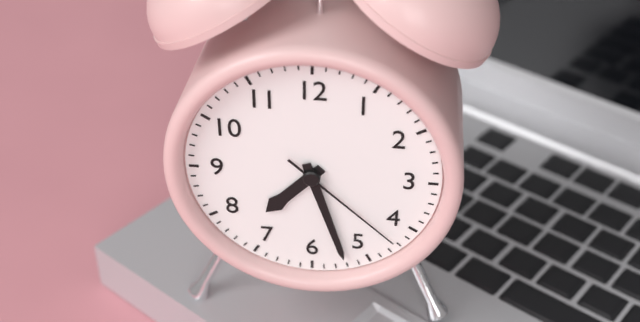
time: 7:27:22
